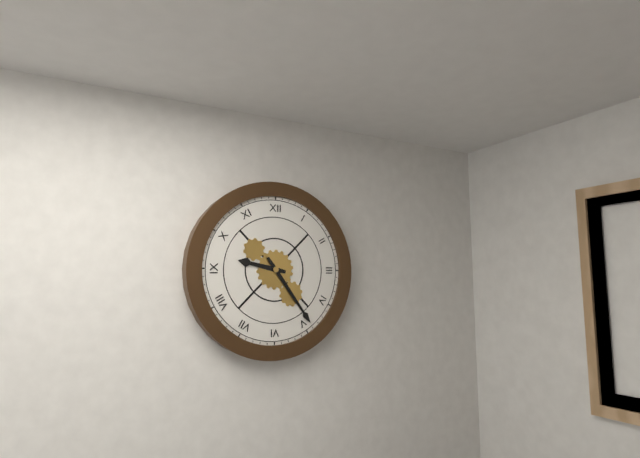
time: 9:24
